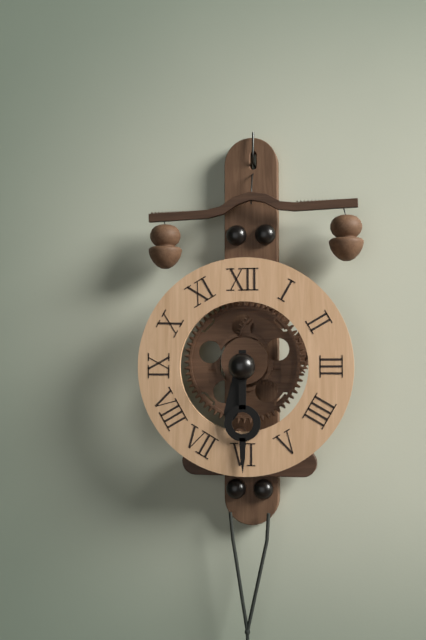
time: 6:30
